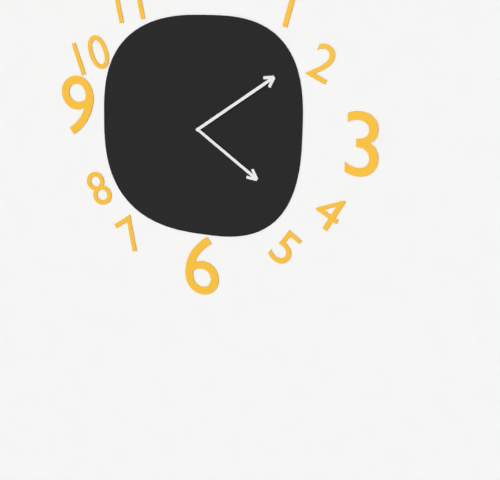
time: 4:09
